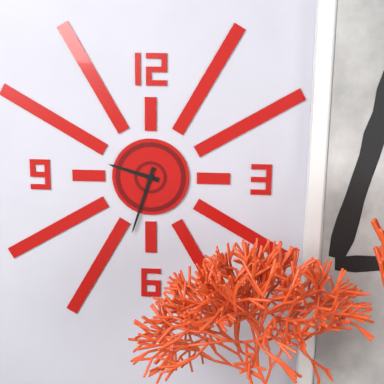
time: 9:33
